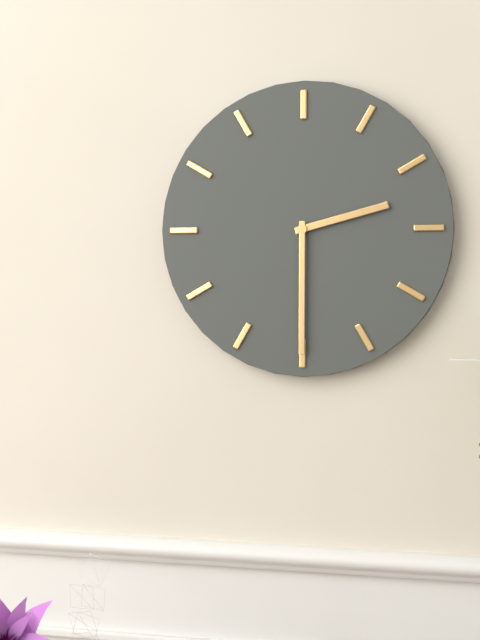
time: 2:30
